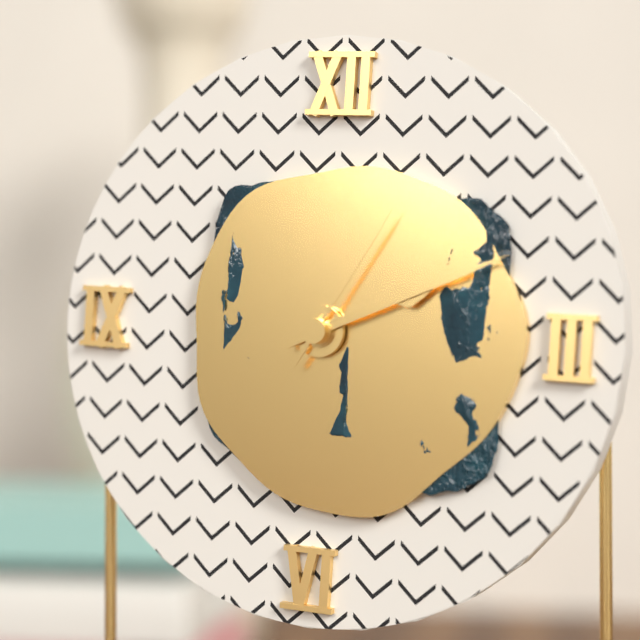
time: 2:11:05
